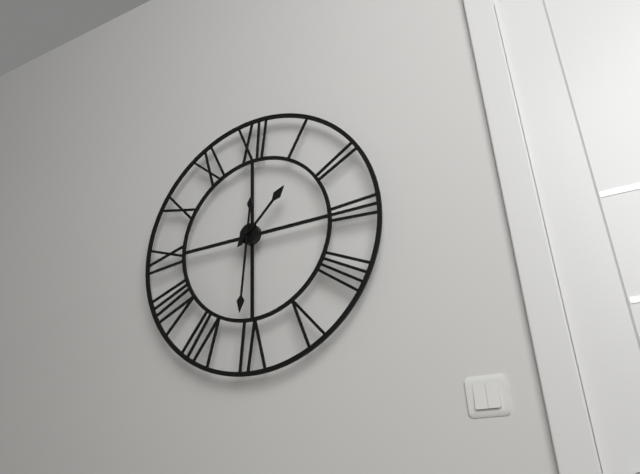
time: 1:31
